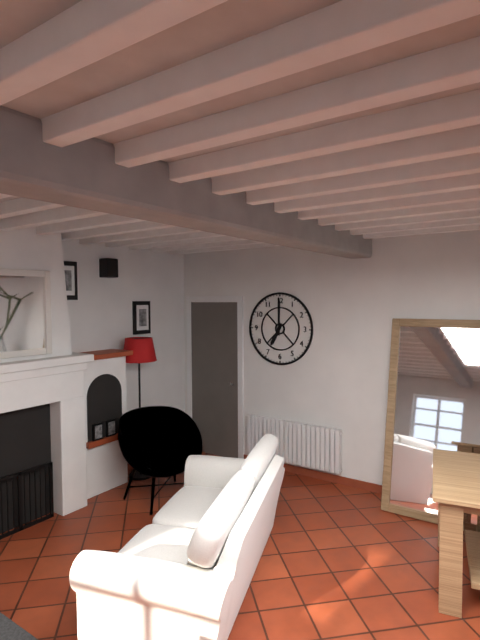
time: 7:00
